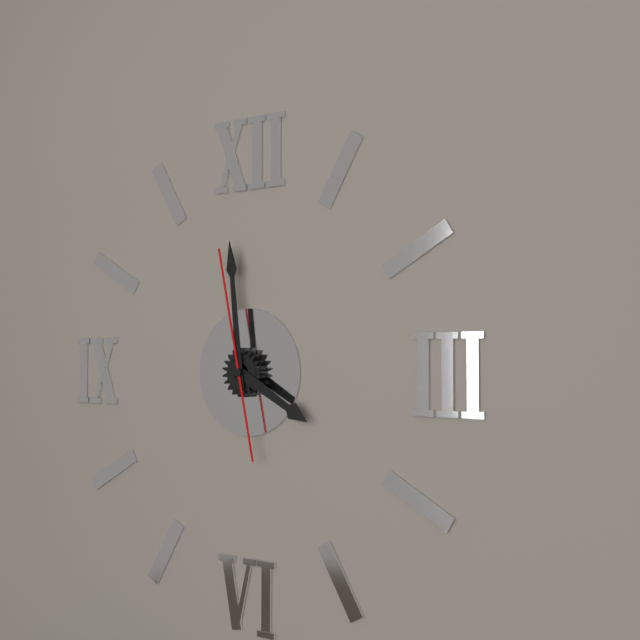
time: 3:59:58
